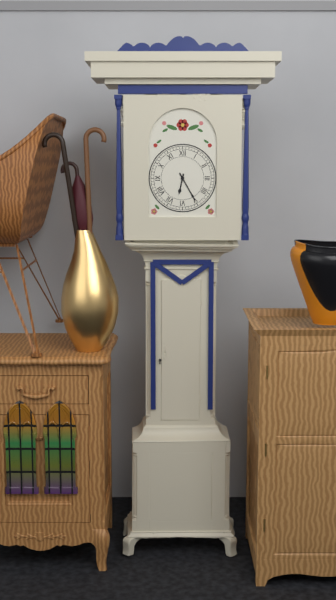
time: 6:25
